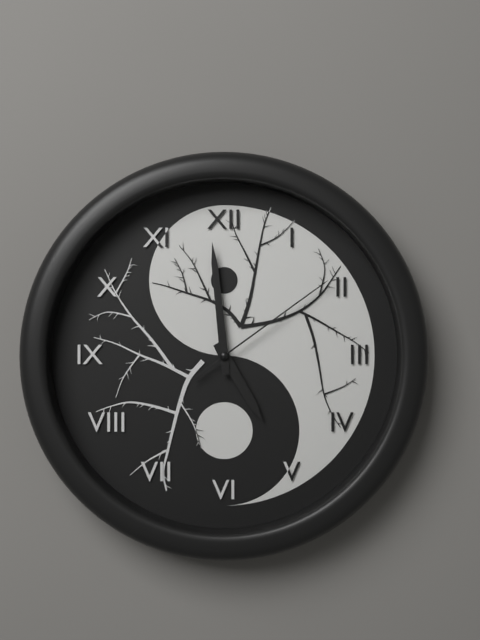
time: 4:59:09
